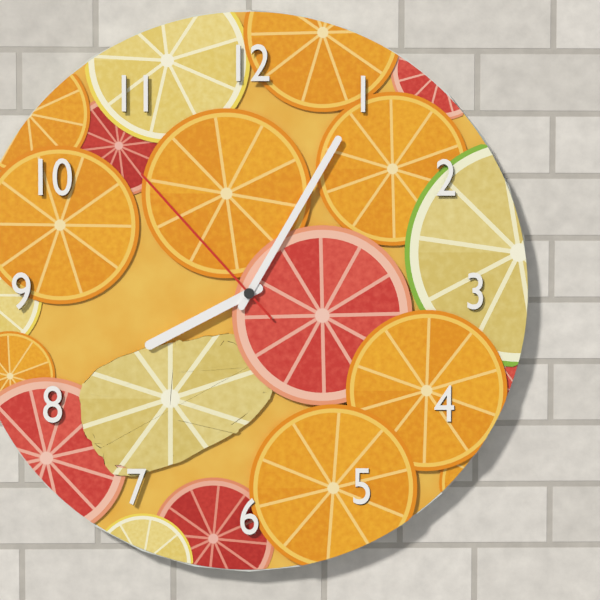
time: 8:05:53
